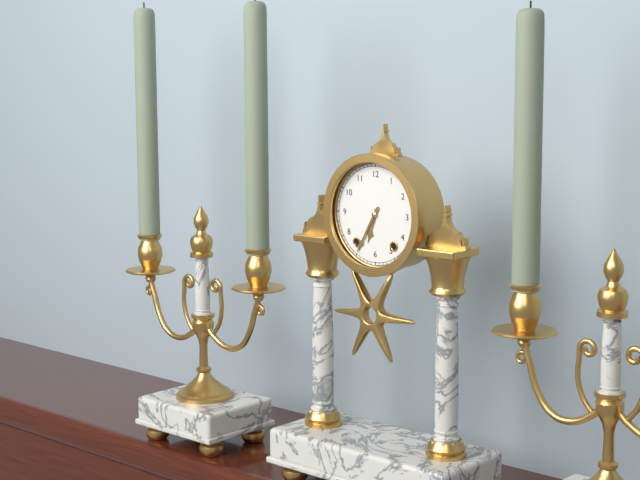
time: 6:35
